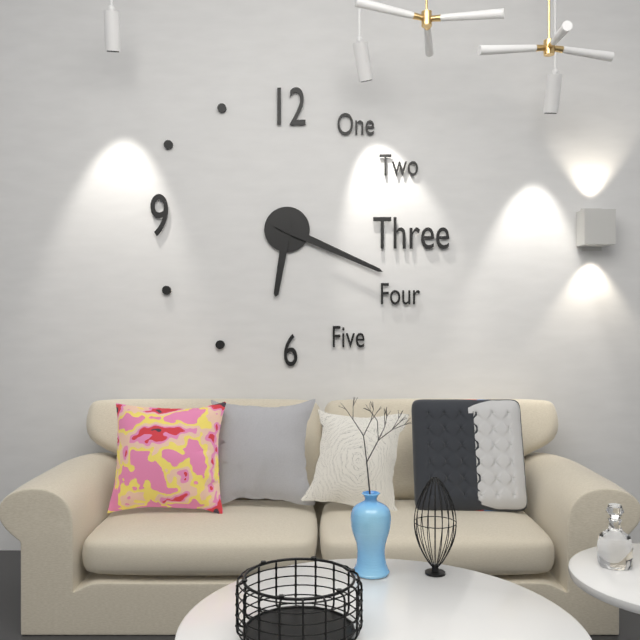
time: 6:19
